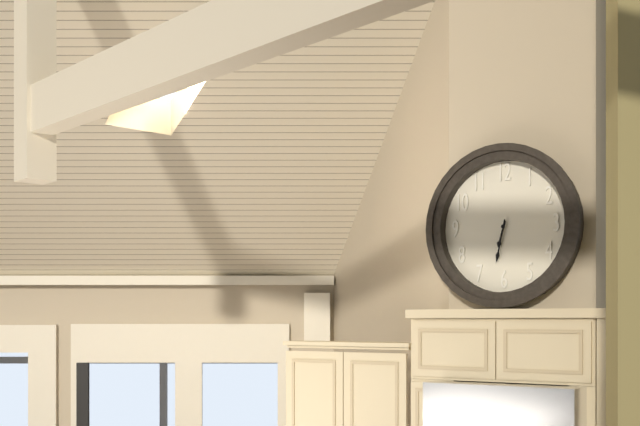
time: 6:32
